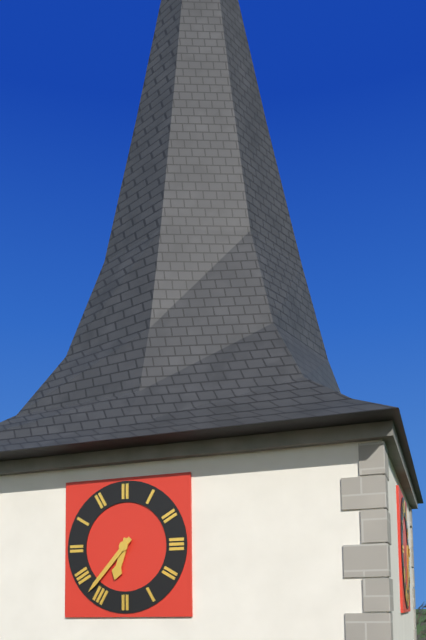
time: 6:37
